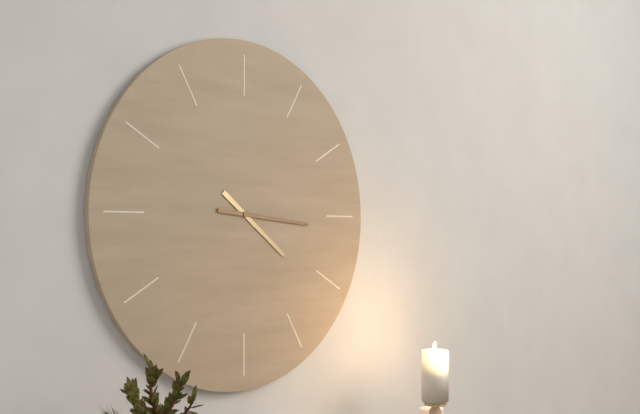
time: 4:16
